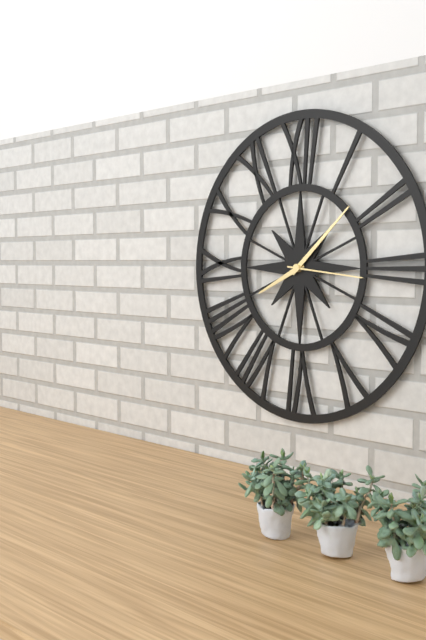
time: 8:08:16
